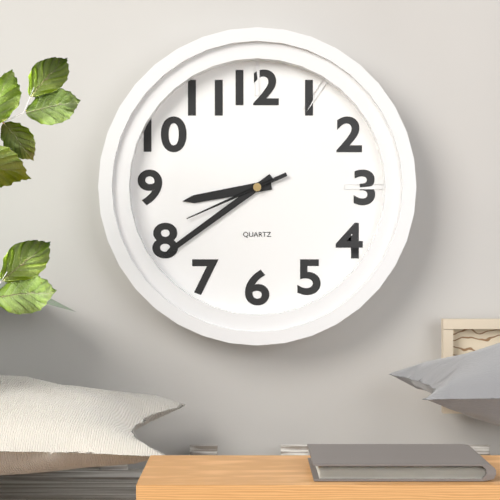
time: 8:39:41
